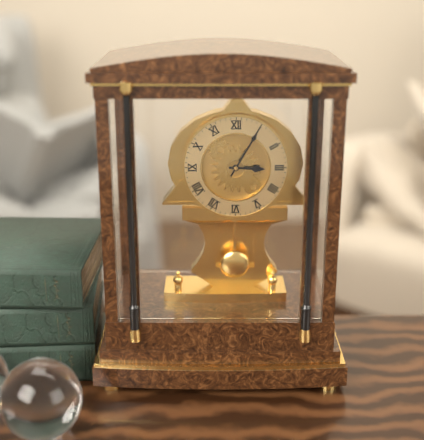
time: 3:05
